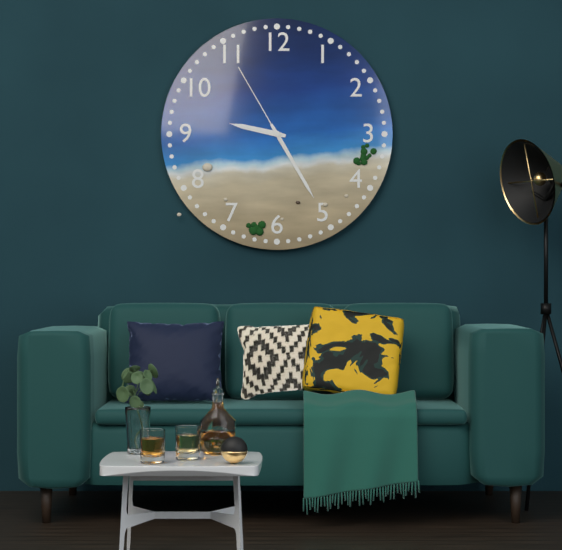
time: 9:25:55
